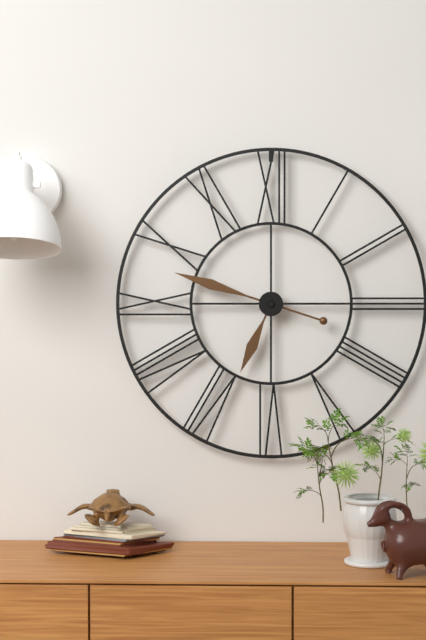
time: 6:48
